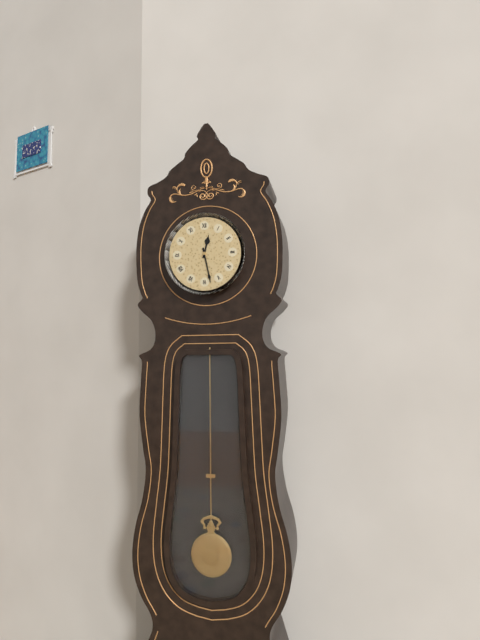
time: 12:28
